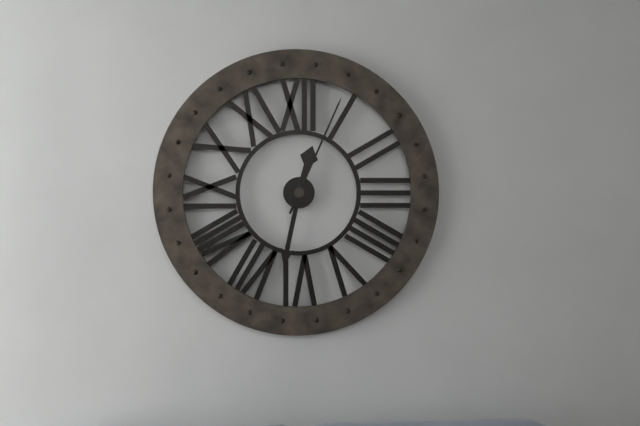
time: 12:32:04
